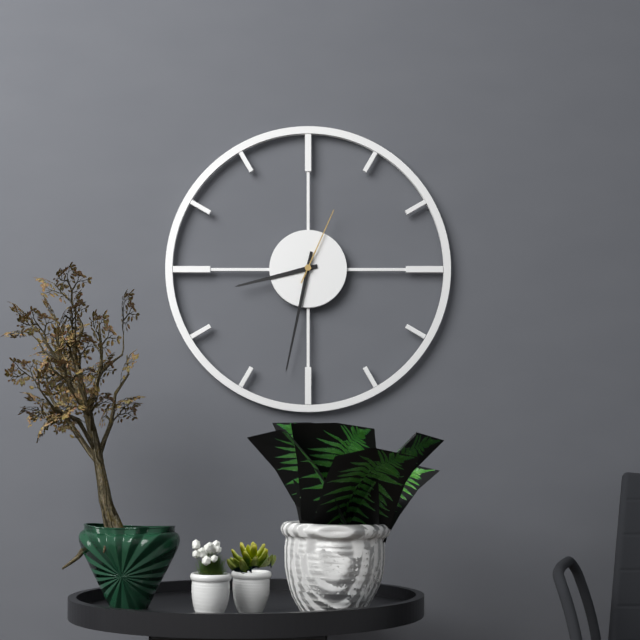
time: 8:32:04
